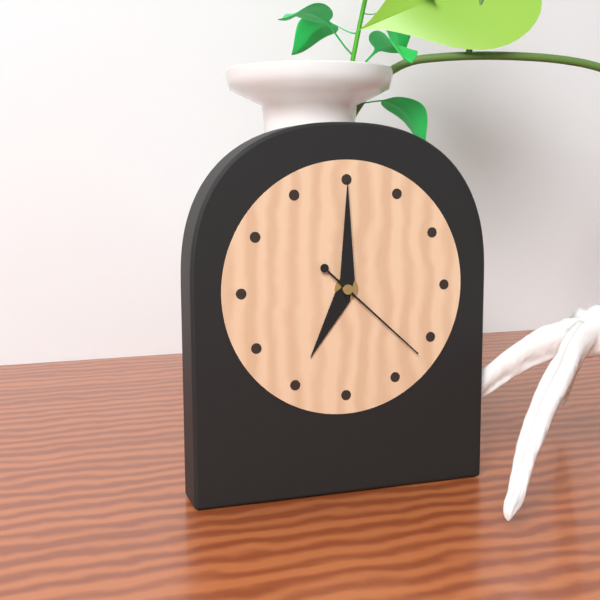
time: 7:00:22
